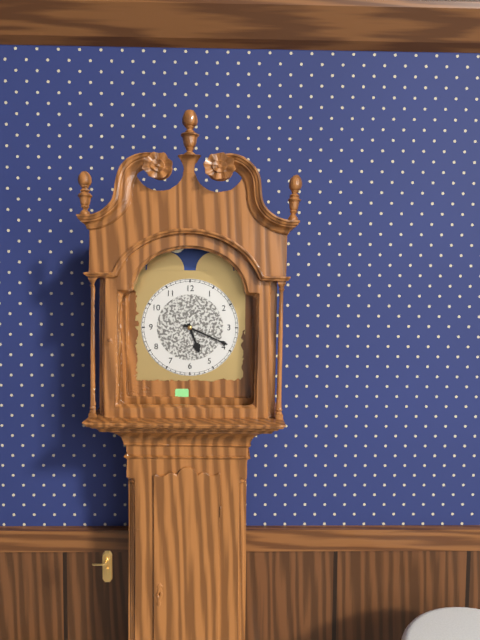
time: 5:19
